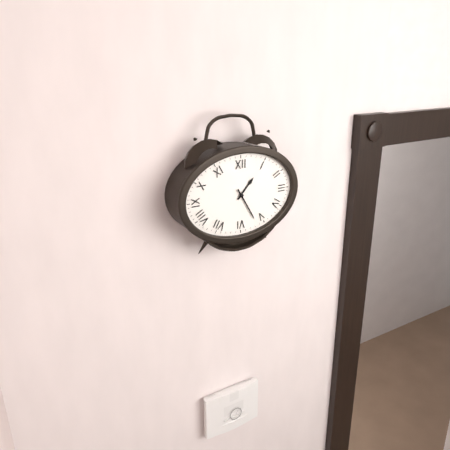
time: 1:25
